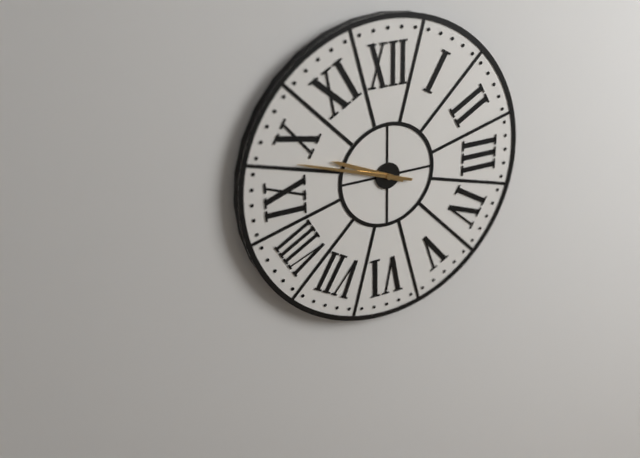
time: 9:48
